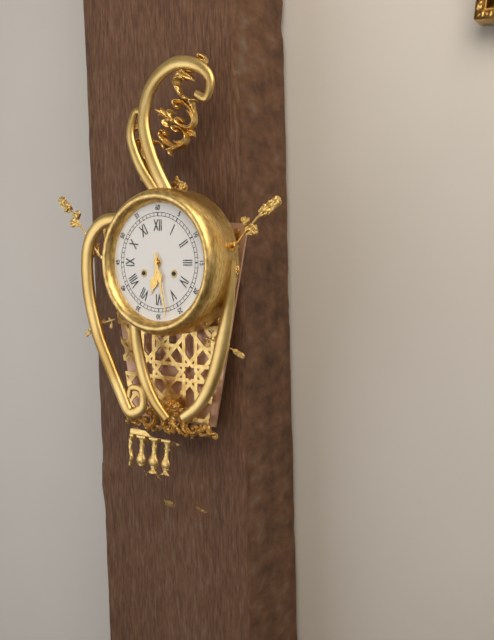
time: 6:28
